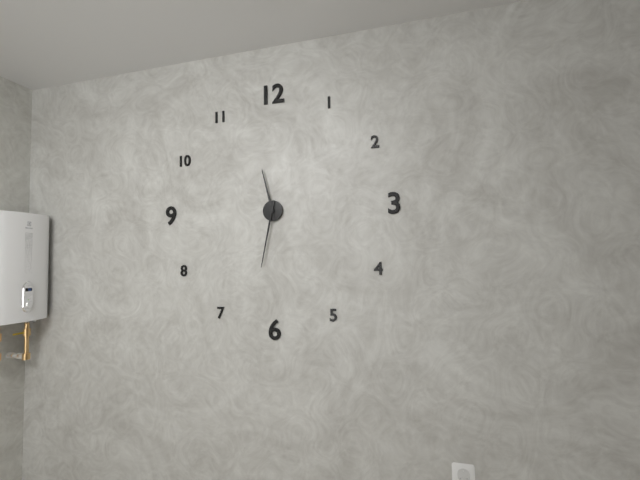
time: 11:32
